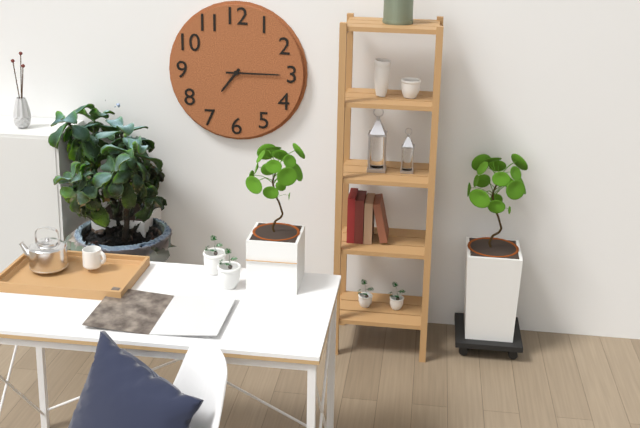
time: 7:15
